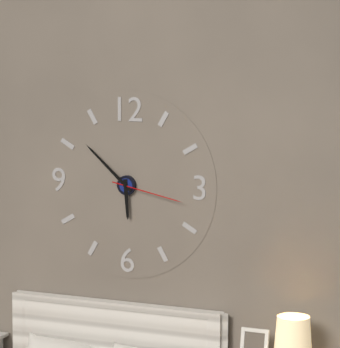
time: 5:52:17
